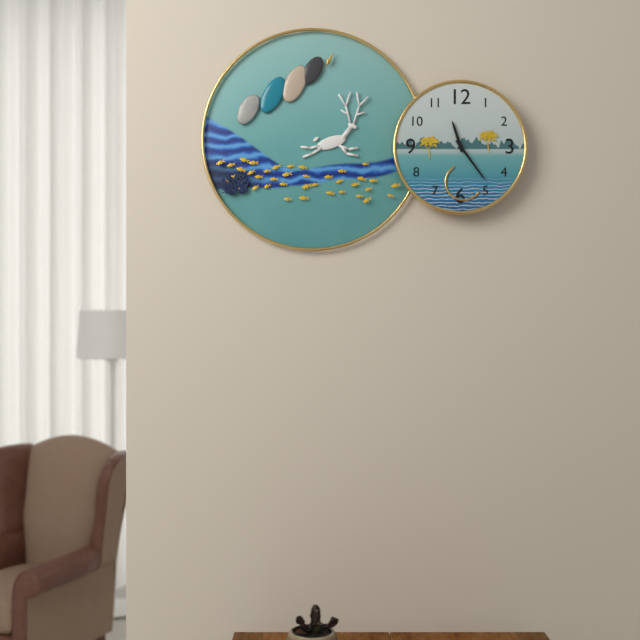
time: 11:24
